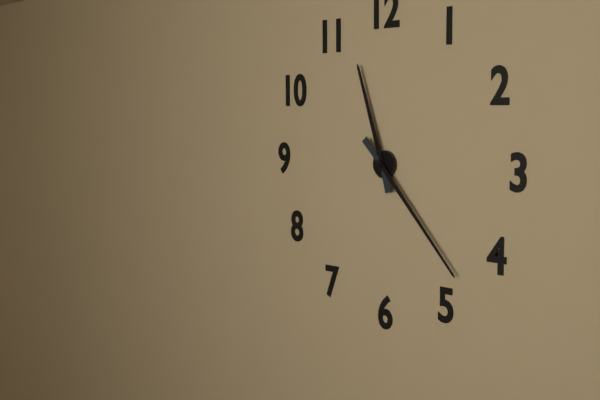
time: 11:23
